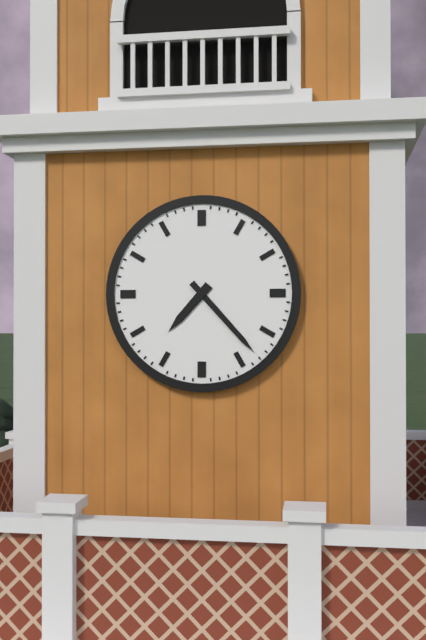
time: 7:23
